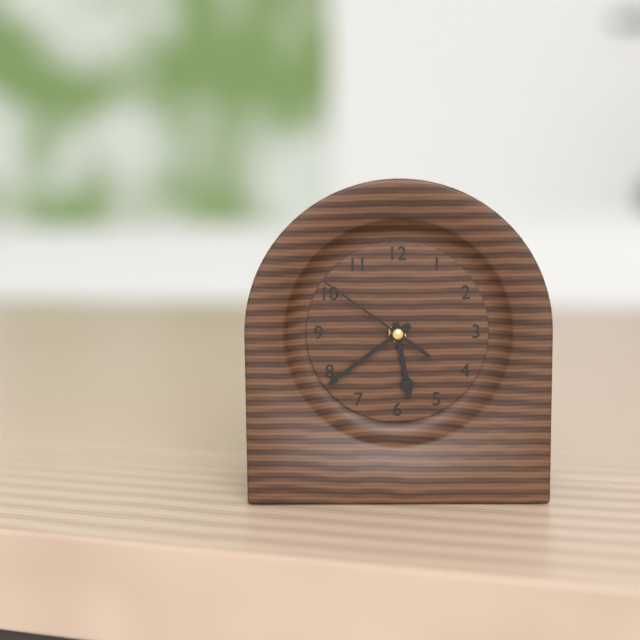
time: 5:39:51
